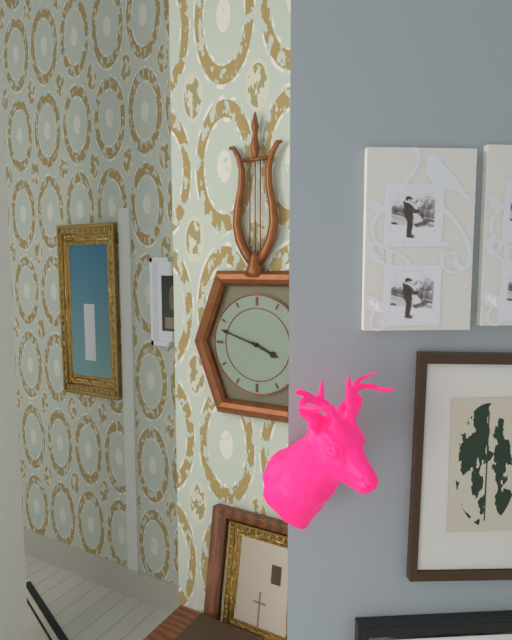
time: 3:48
